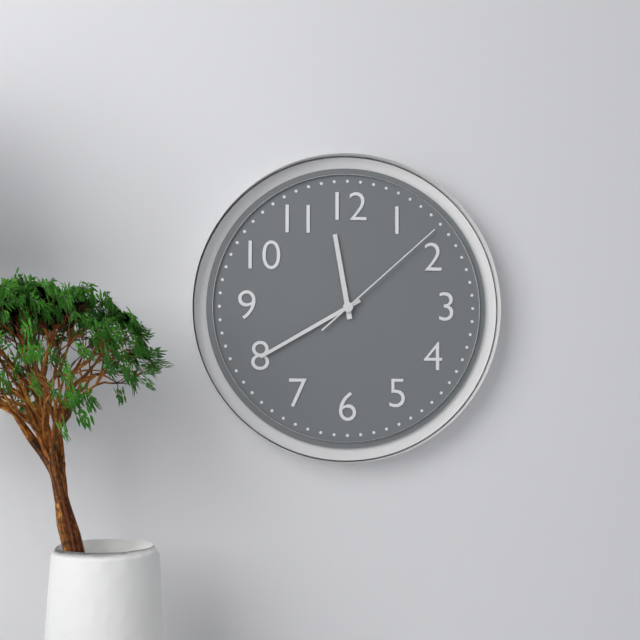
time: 11:40:08
